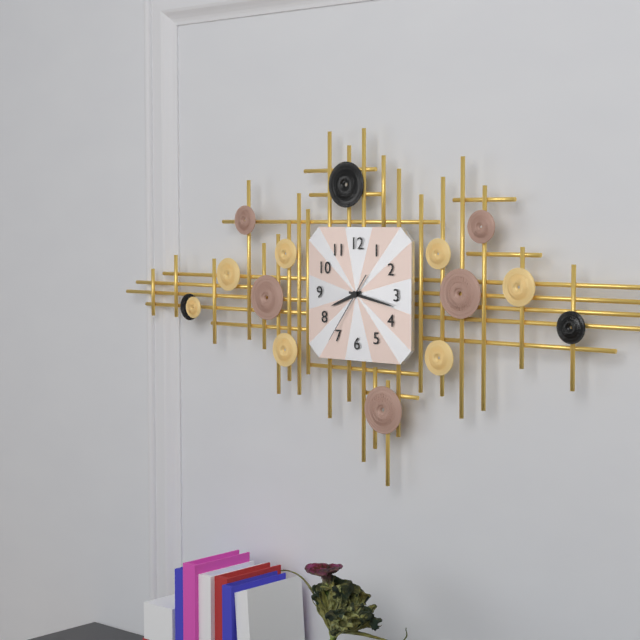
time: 8:17:36
